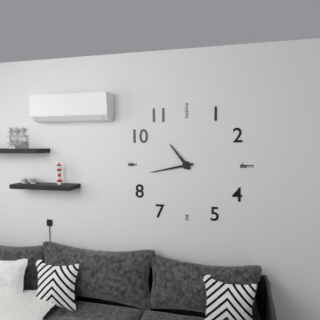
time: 10:43
